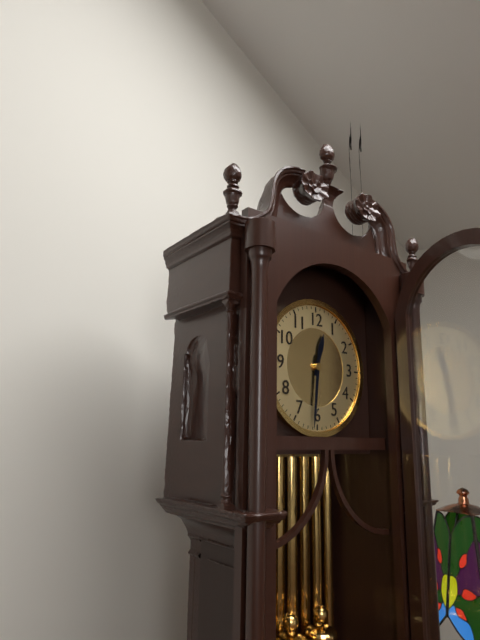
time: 12:31
